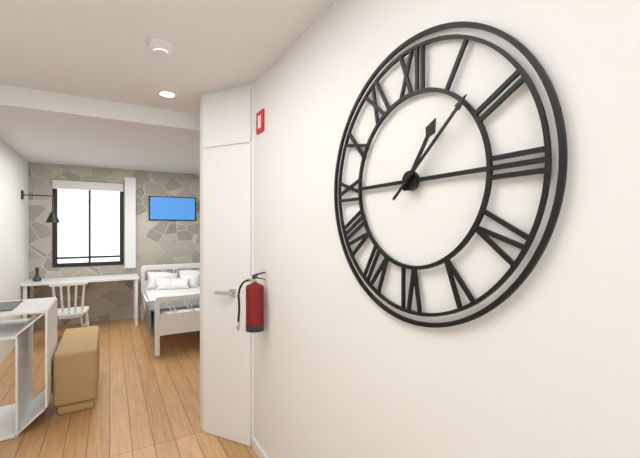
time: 1:08
